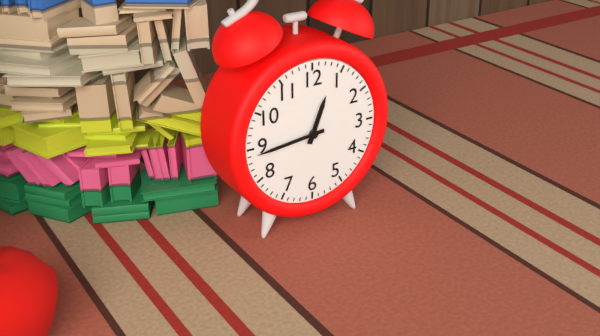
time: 12:44
